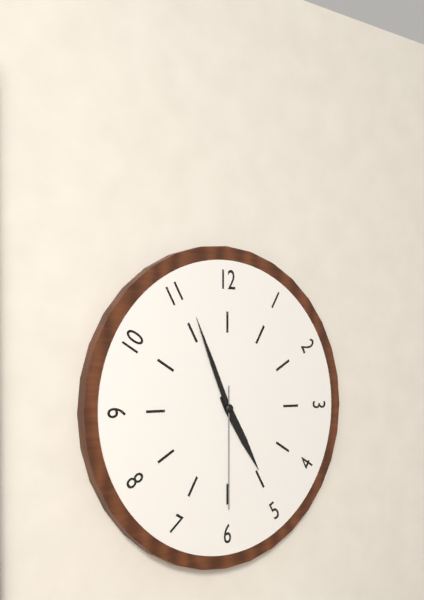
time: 4:56:30
